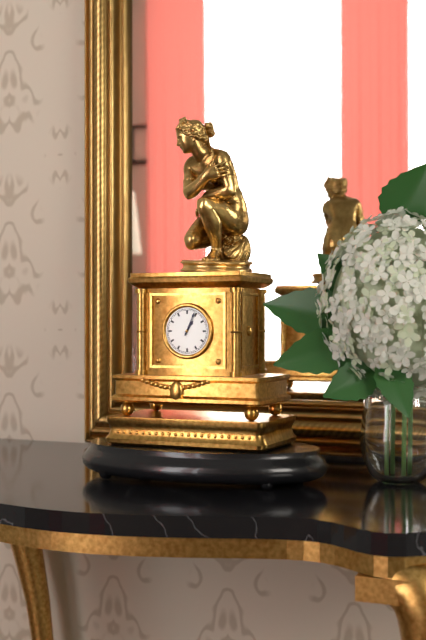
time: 1:04
